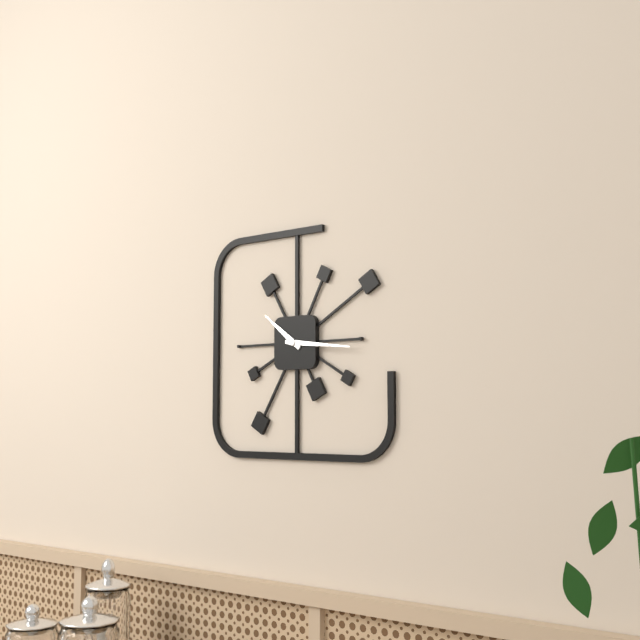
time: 10:16
